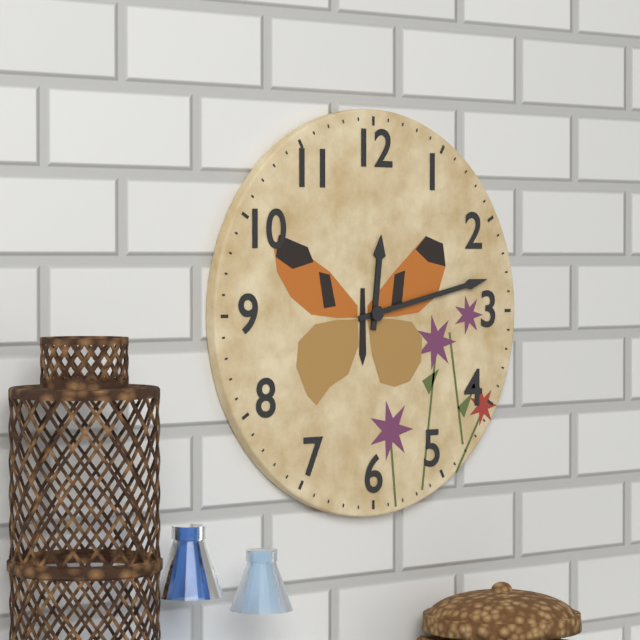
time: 12:13
